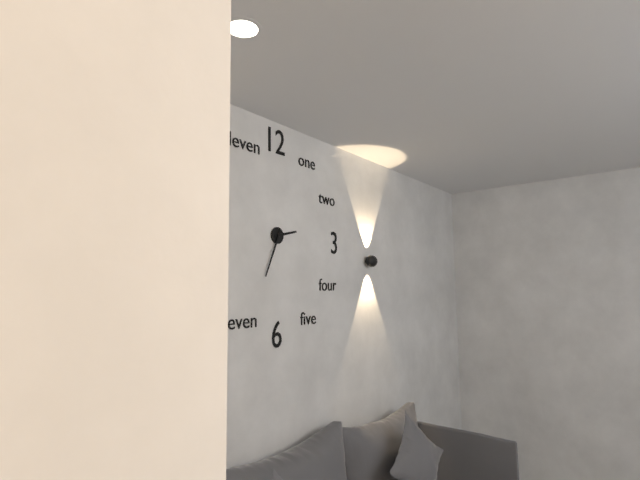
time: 2:34
